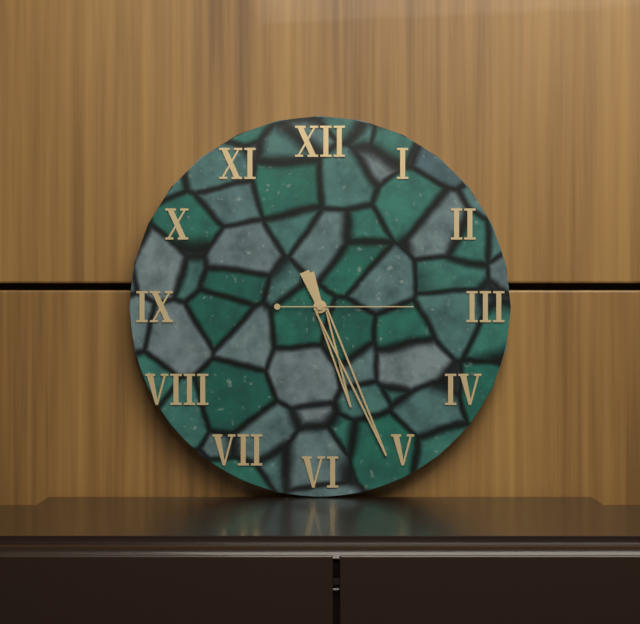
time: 5:26:15
